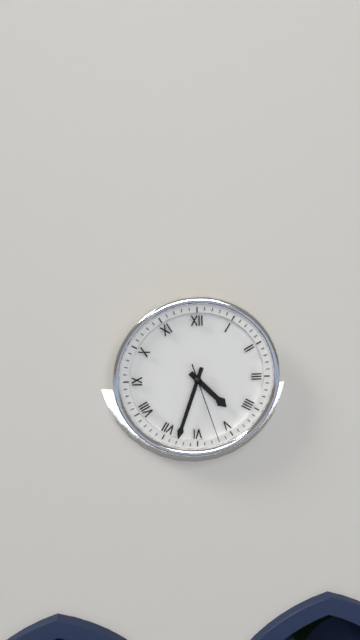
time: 4:33:27
